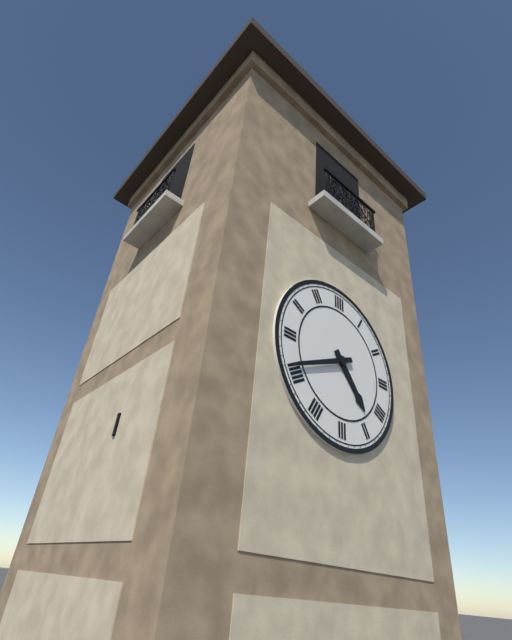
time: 4:41
